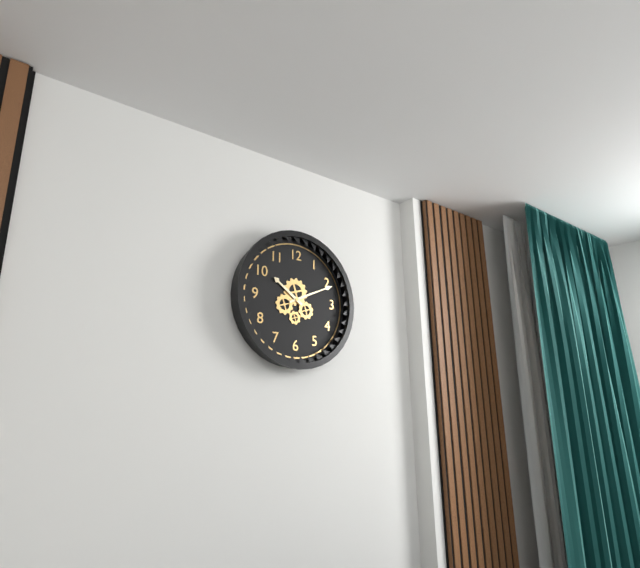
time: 10:11
